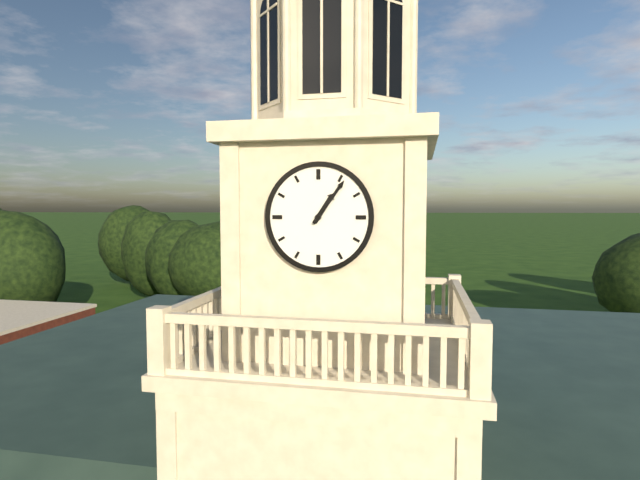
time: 1:06
